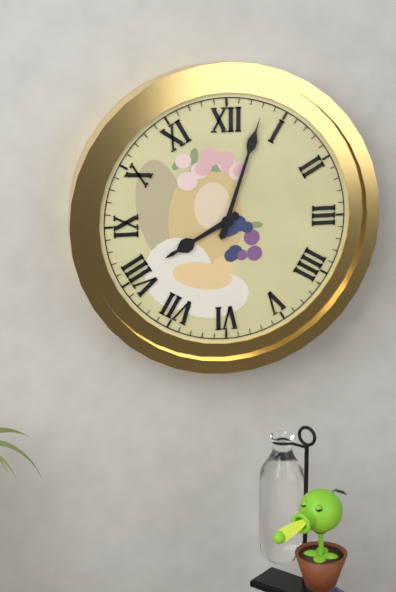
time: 8:03
